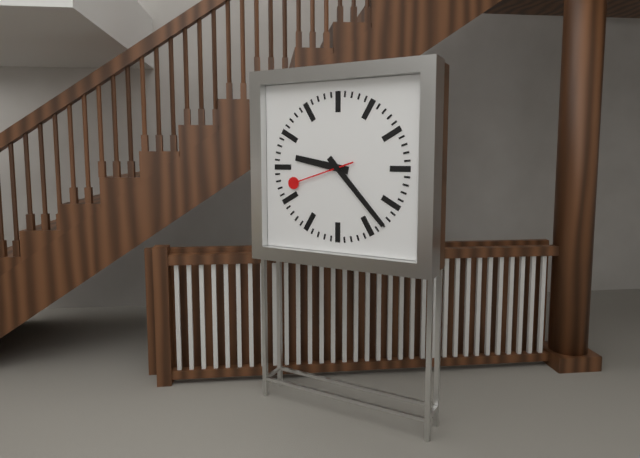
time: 9:23:42
